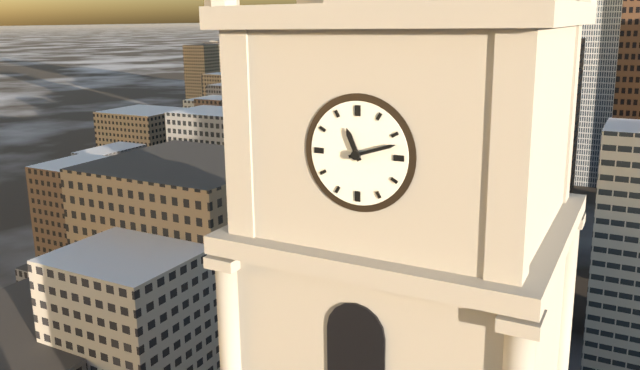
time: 11:12
